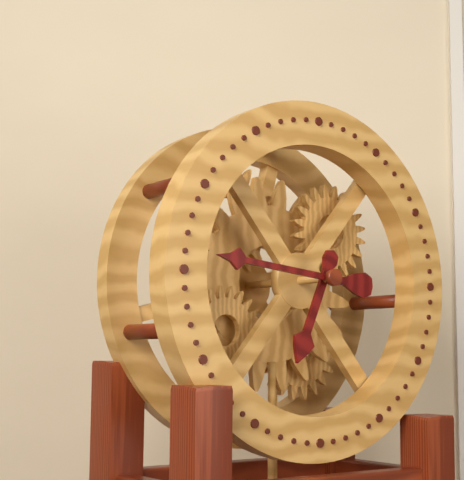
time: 6:46
